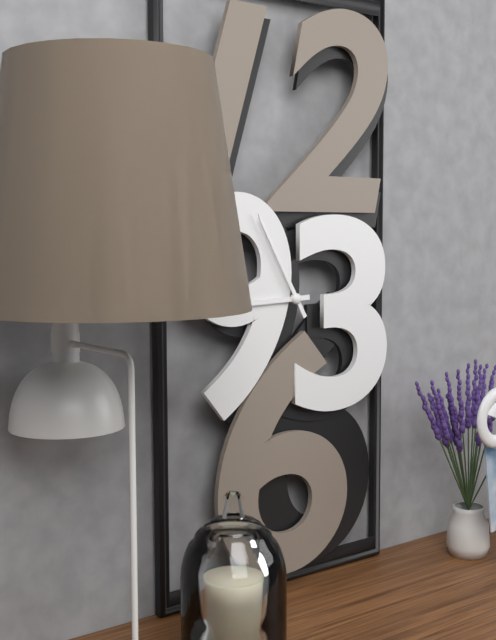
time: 8:55
